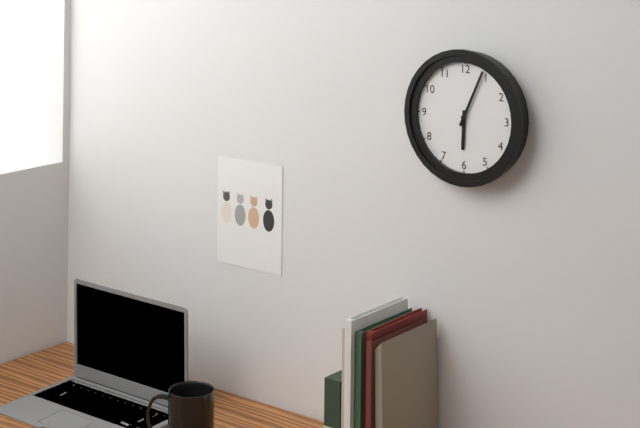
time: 6:04
